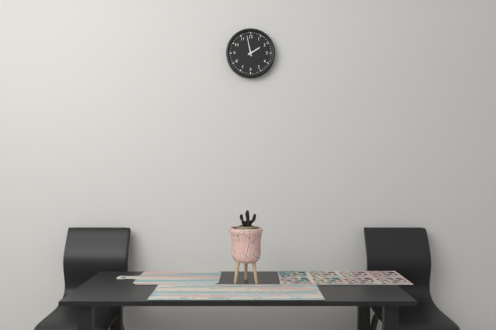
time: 1:58
